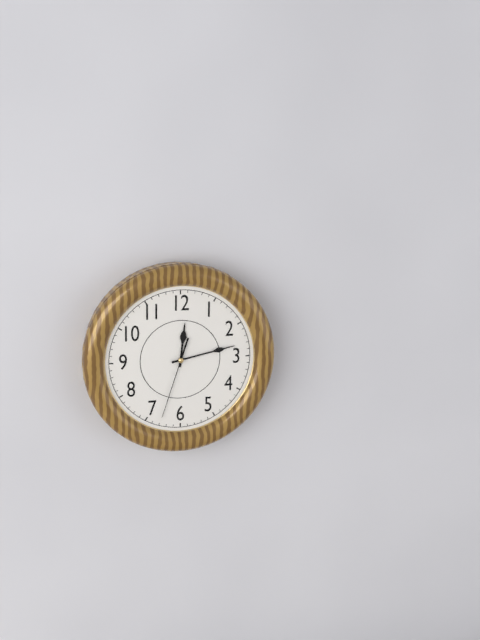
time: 12:13:33
